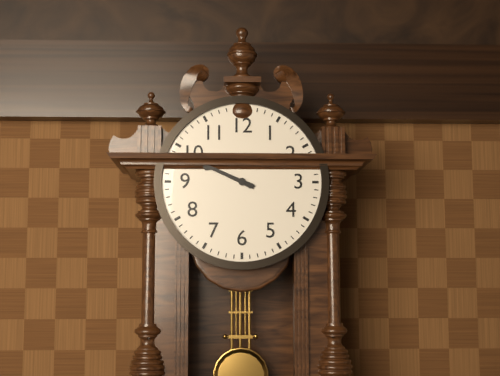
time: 9:49
